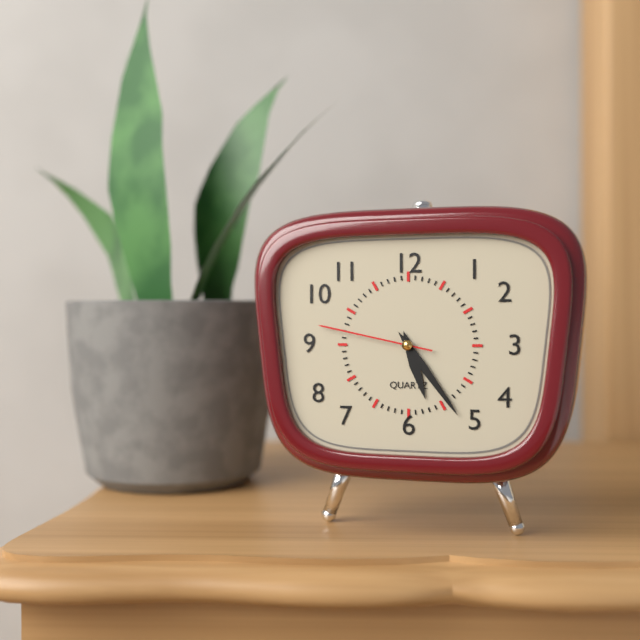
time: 5:24:47
